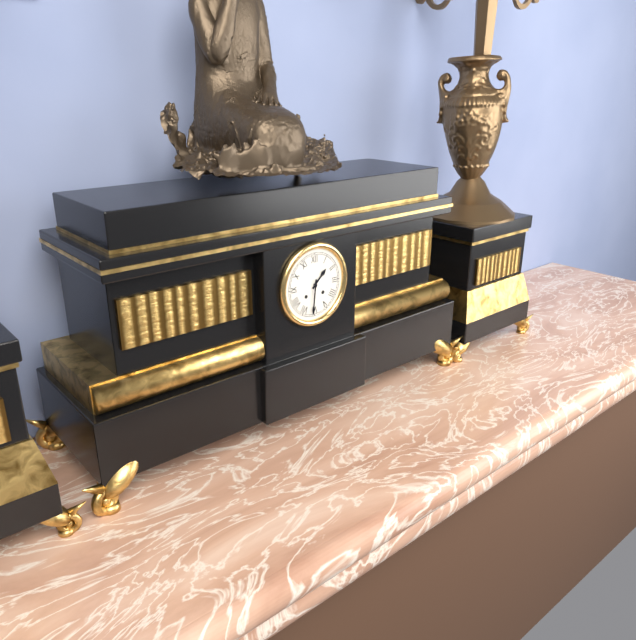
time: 1:31
